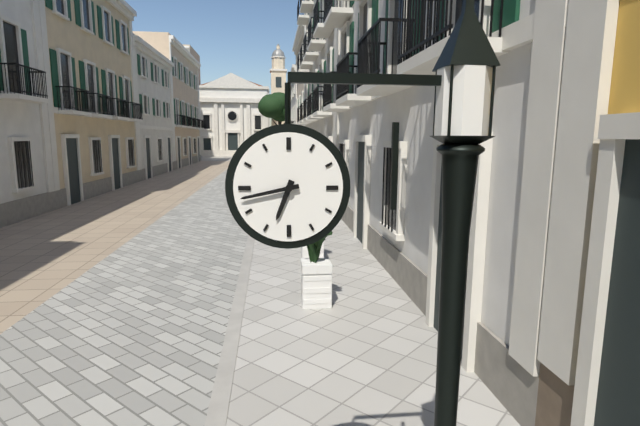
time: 6:43
